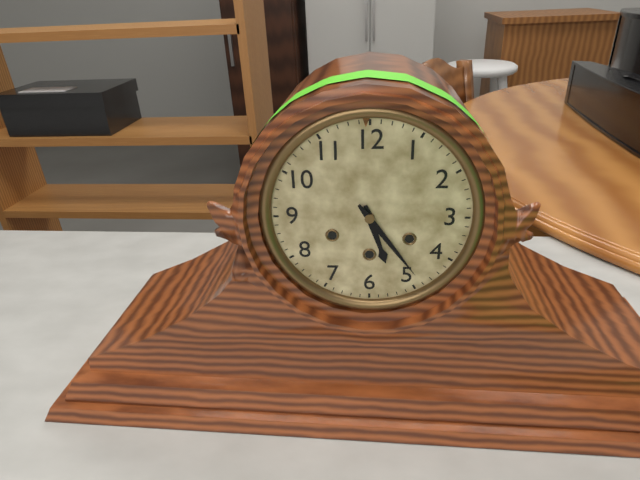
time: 5:24
